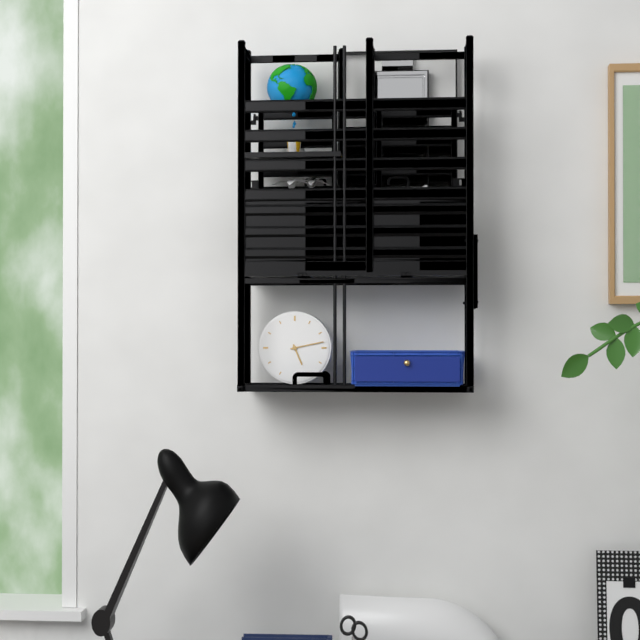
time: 5:13
